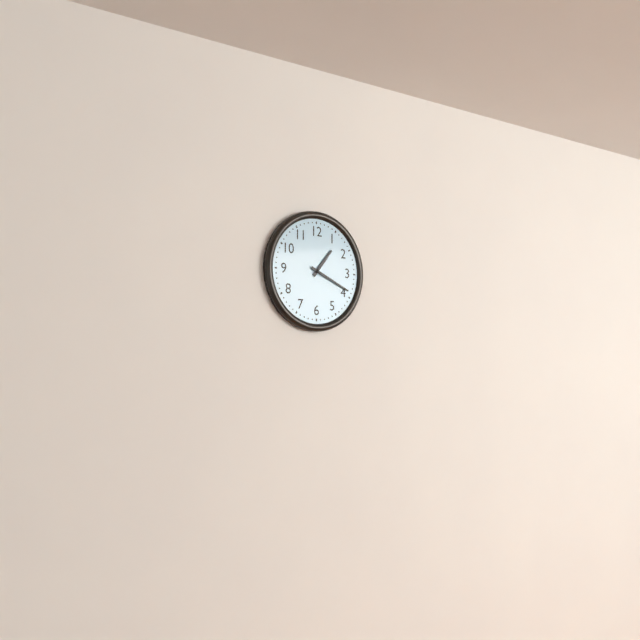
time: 1:19
